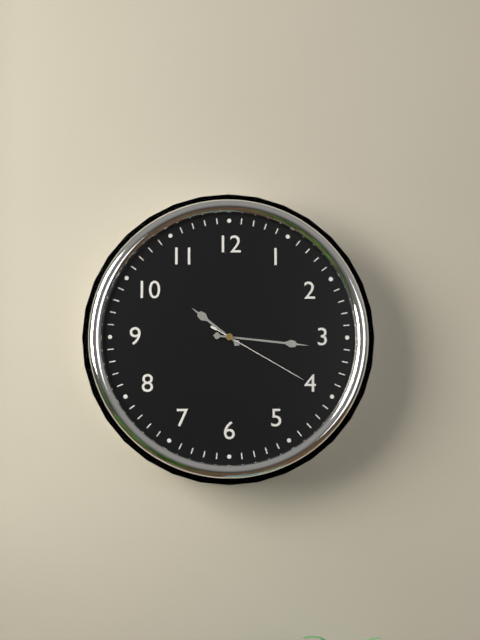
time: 10:16:20
